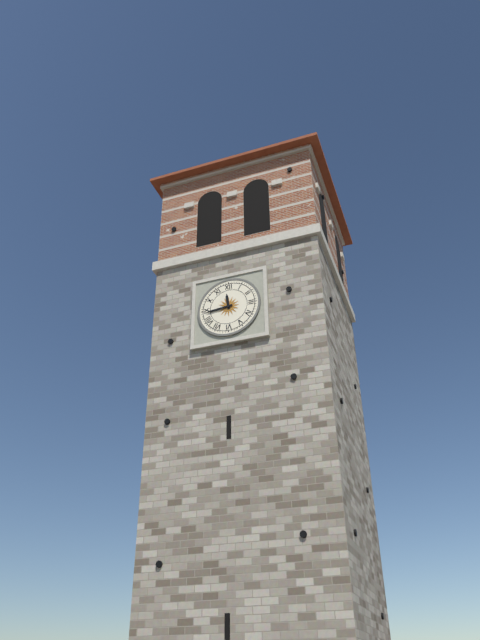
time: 11:44
